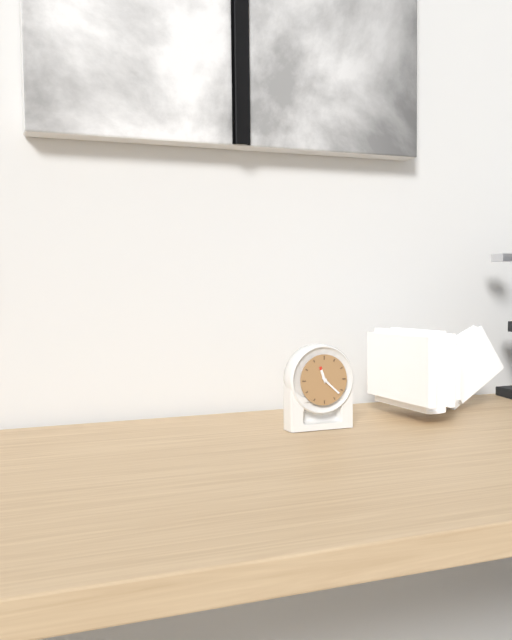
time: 11:22
